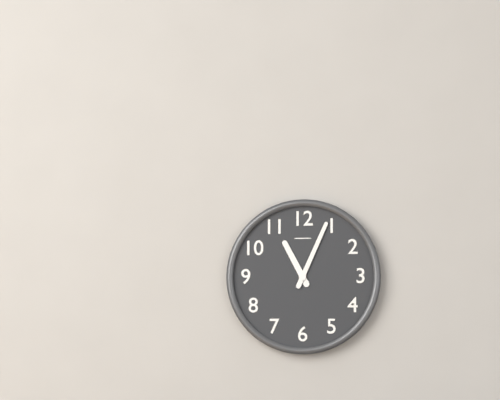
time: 11:04
